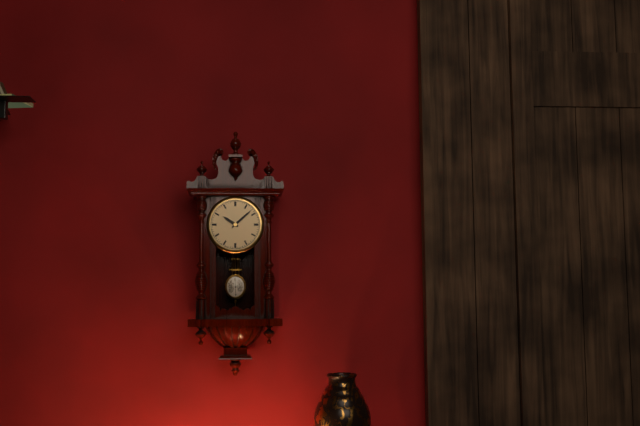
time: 10:08
